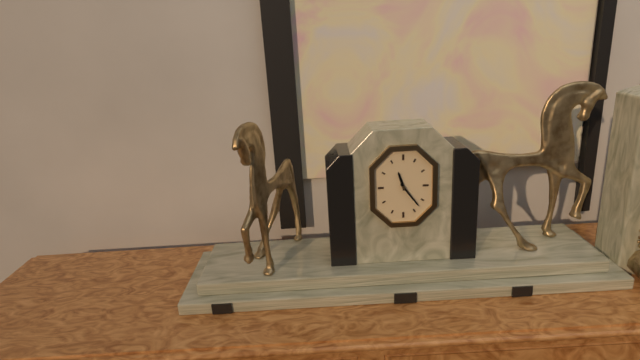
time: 11:24
